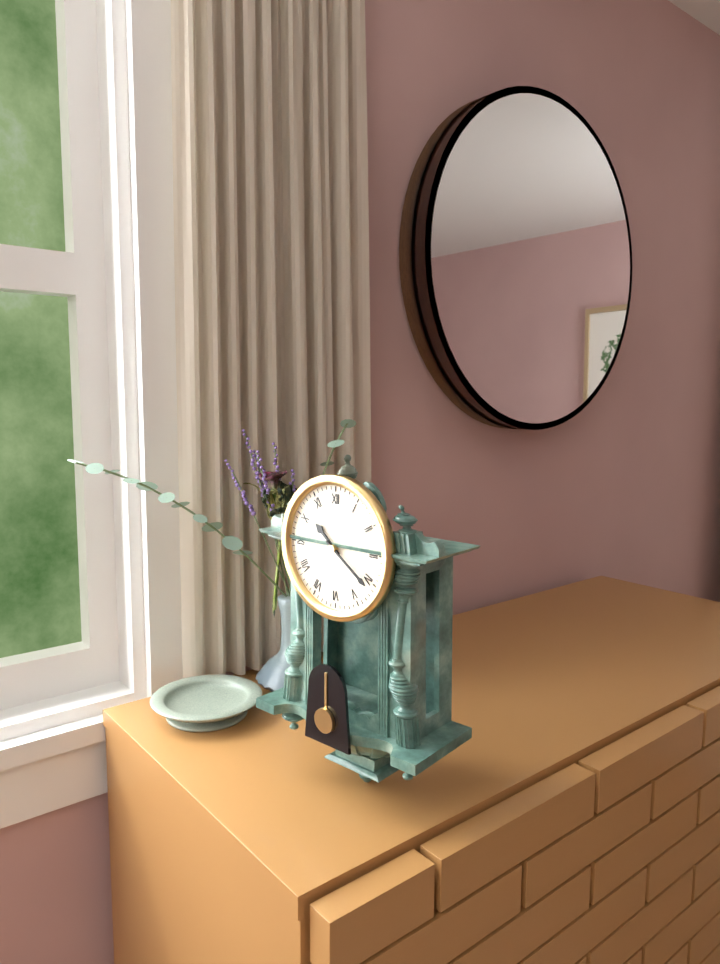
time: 10:21
